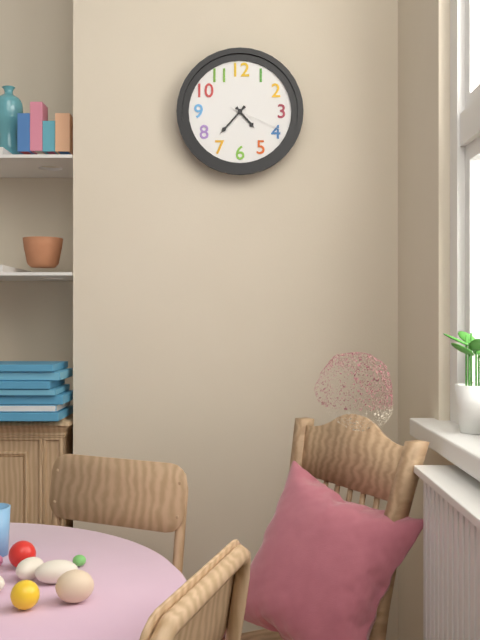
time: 4:37:19
